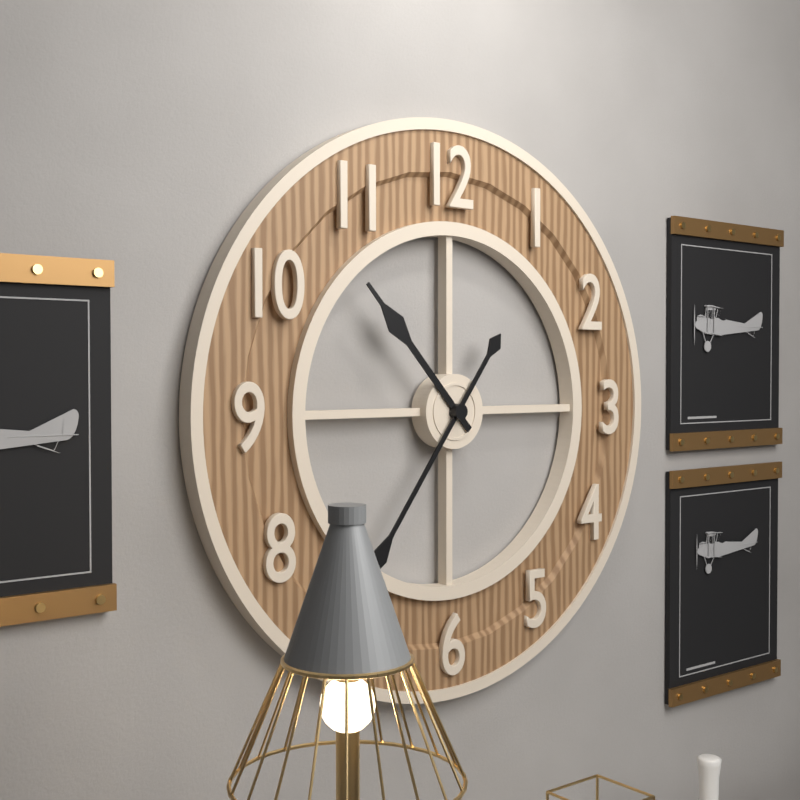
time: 10:36
